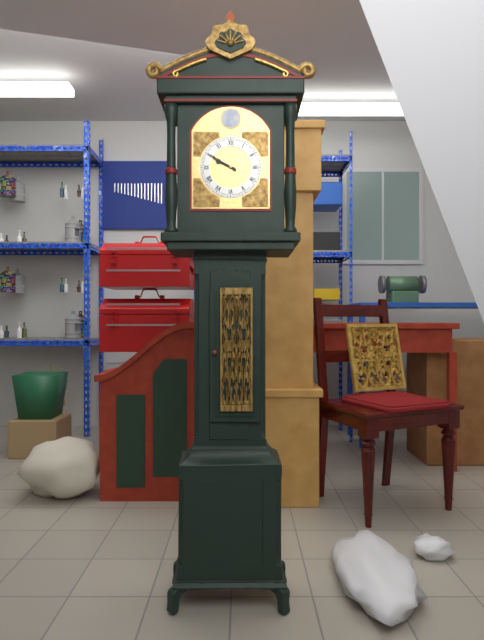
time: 9:50
